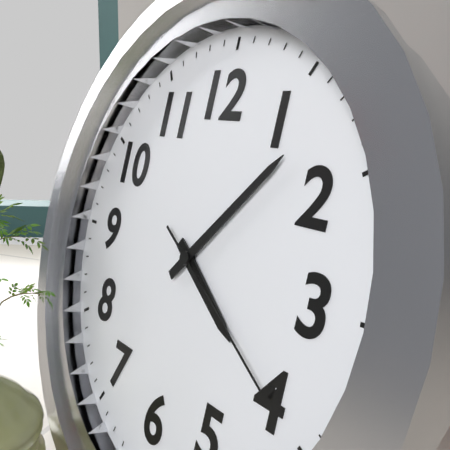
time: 4:07:20
